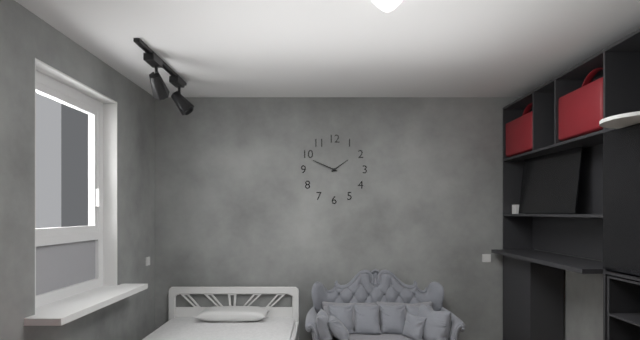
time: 1:49
